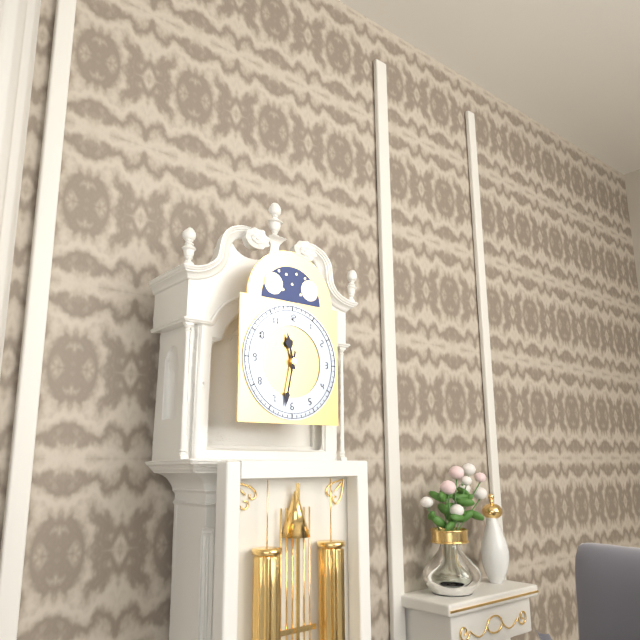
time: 11:32
